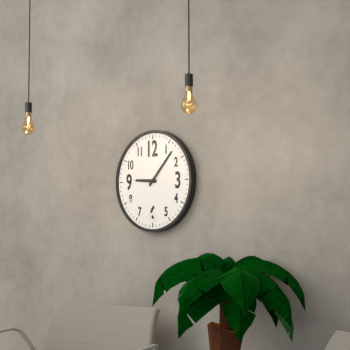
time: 9:07
